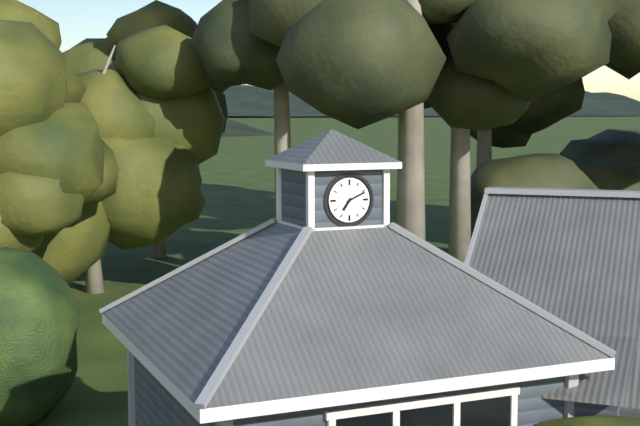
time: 7:11
